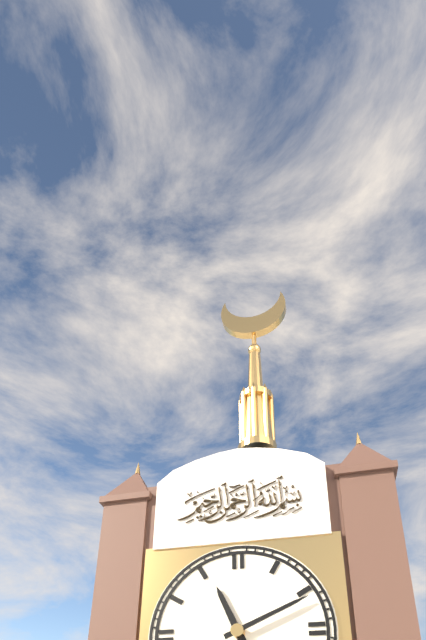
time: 11:11
